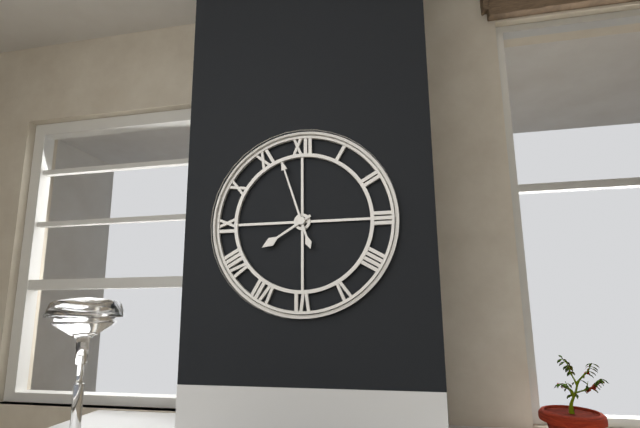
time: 7:57
